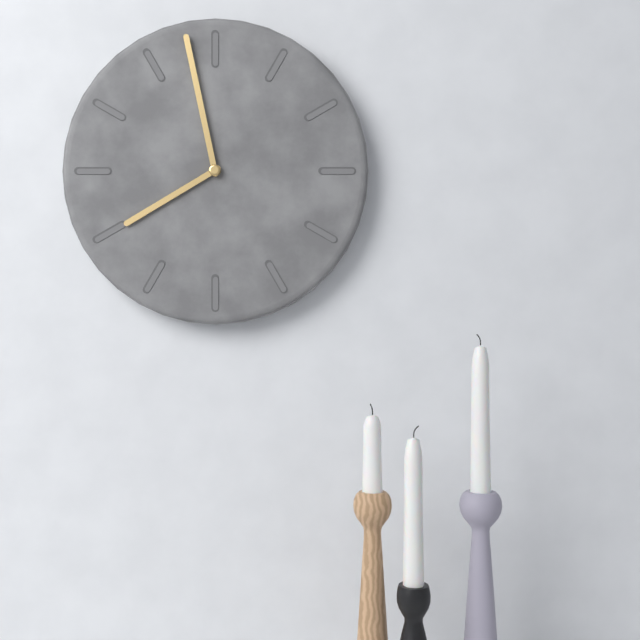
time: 7:58
